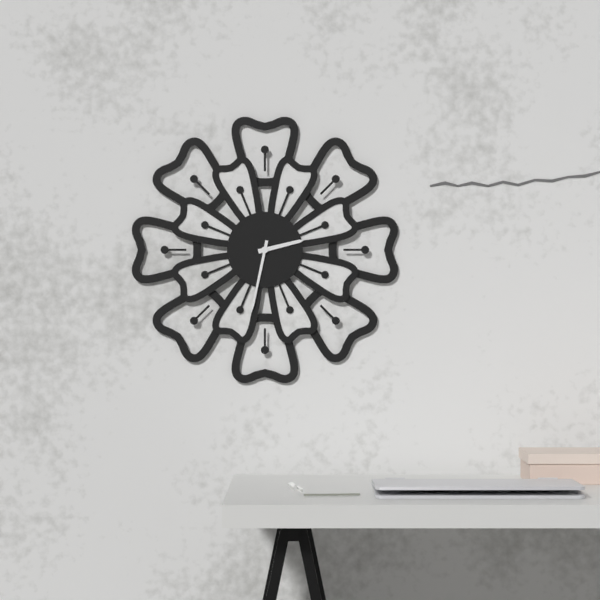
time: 2:32
